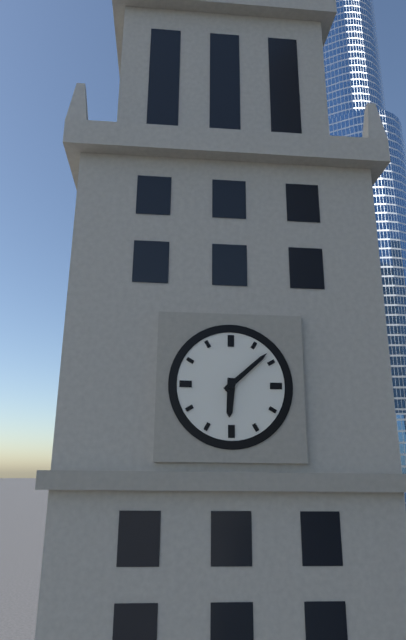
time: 6:08
